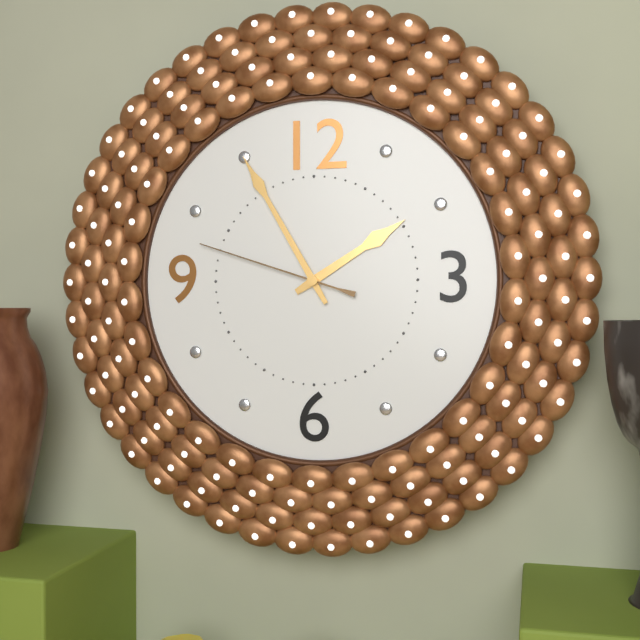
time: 1:55:48
